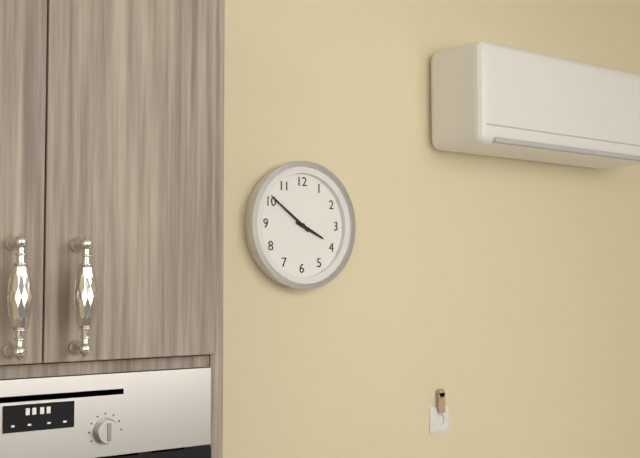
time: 3:51
